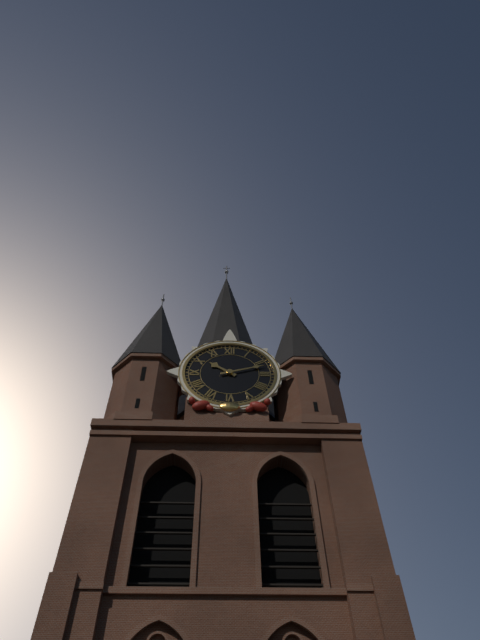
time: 10:12
